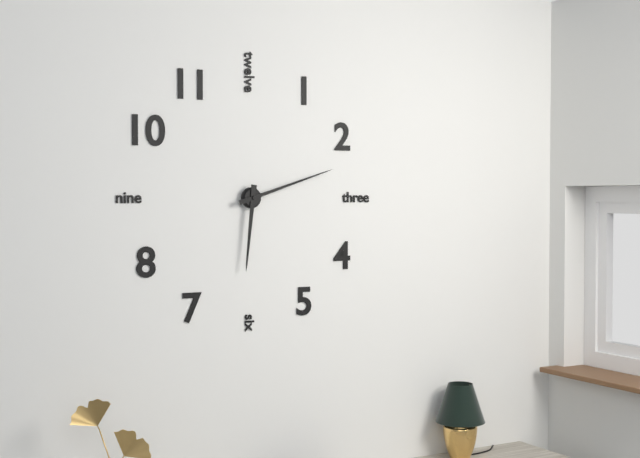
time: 6:12
